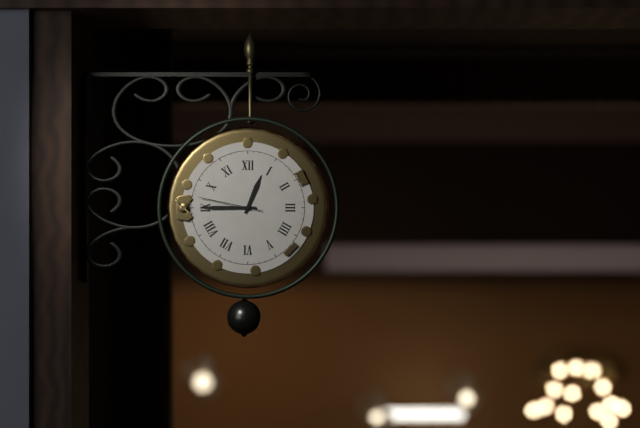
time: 12:45:47
